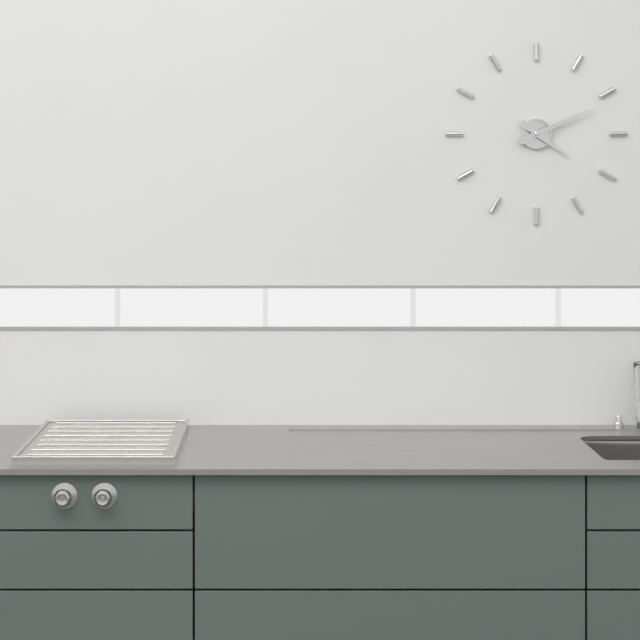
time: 4:11
